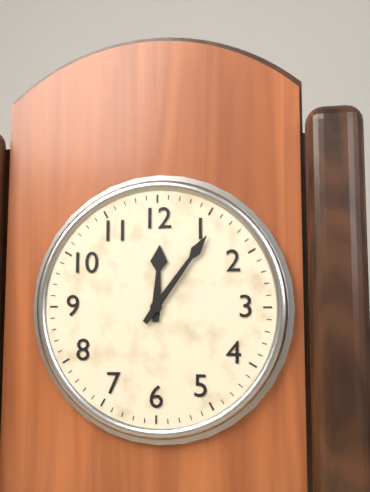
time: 12:06
